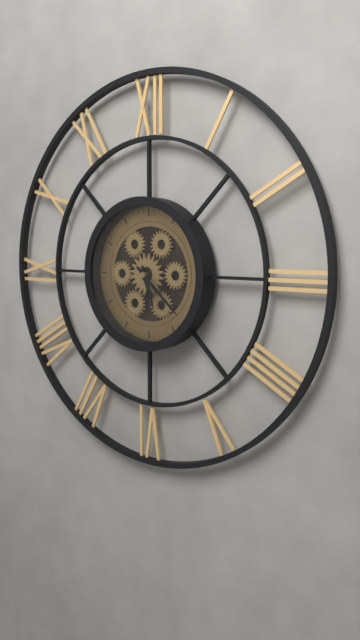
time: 5:22
